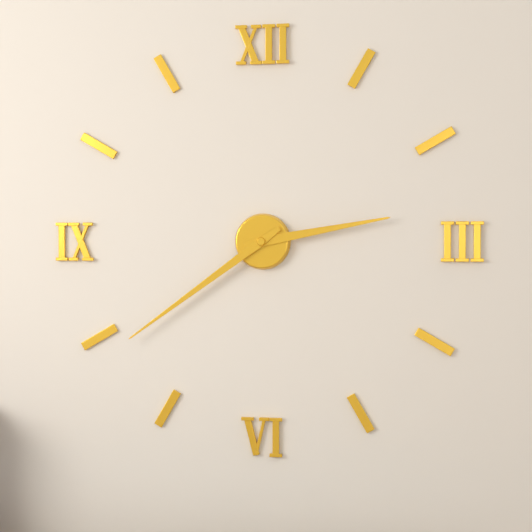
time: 2:39
